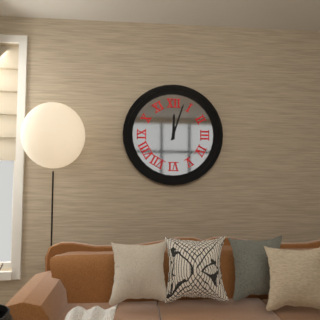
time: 12:03
